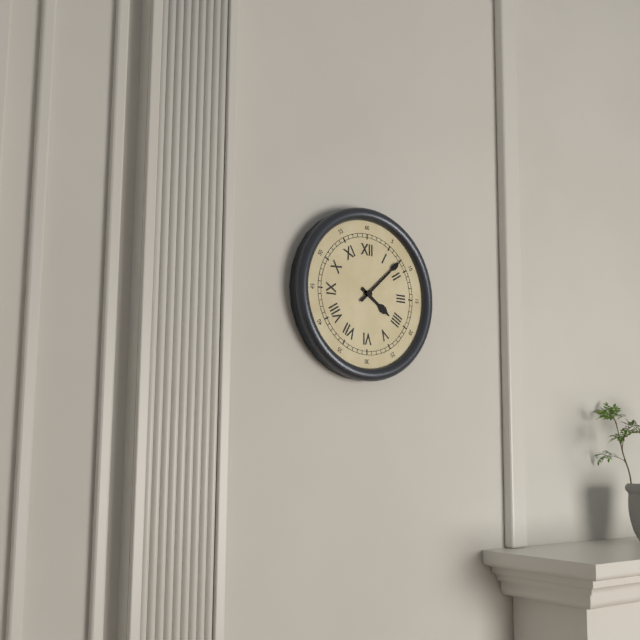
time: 4:08
